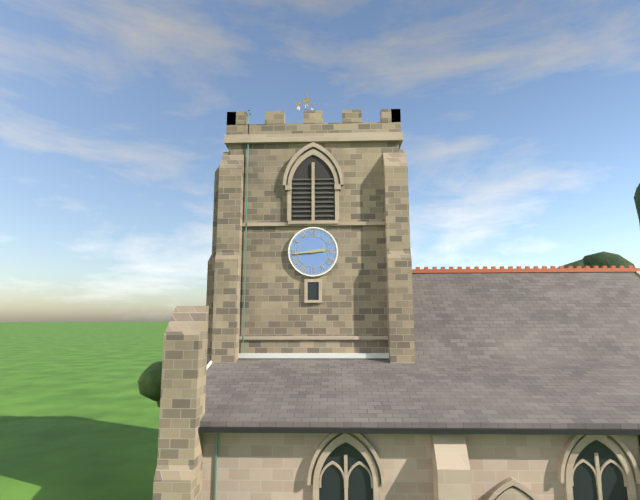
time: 2:44
